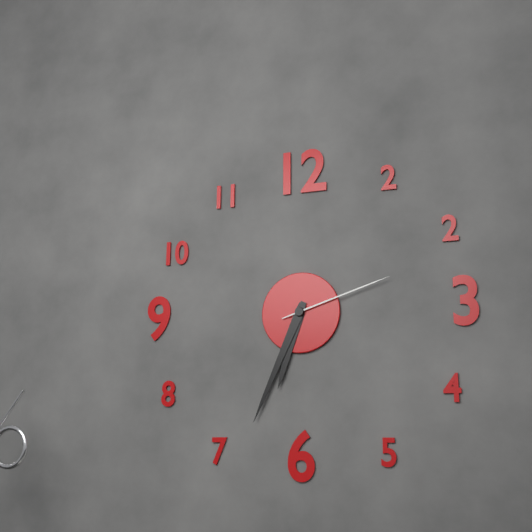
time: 6:34:12
